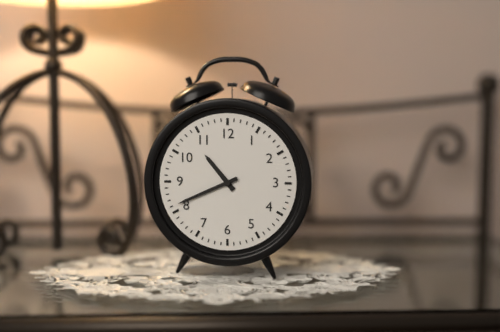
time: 10:41
